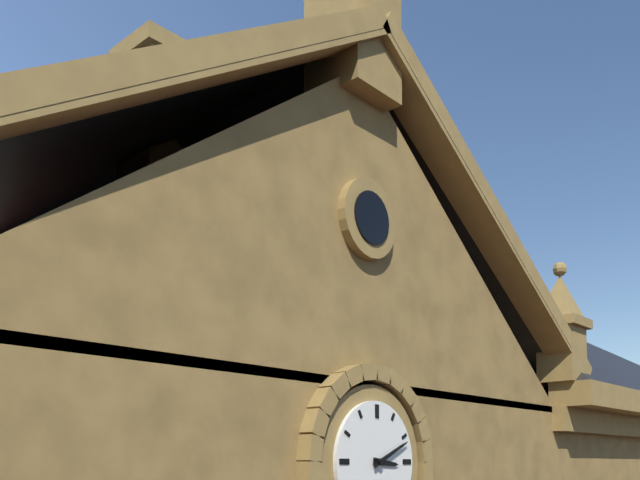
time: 3:11
